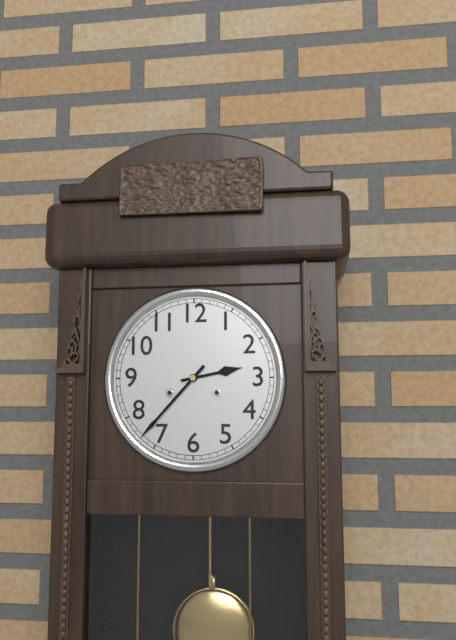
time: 2:37
